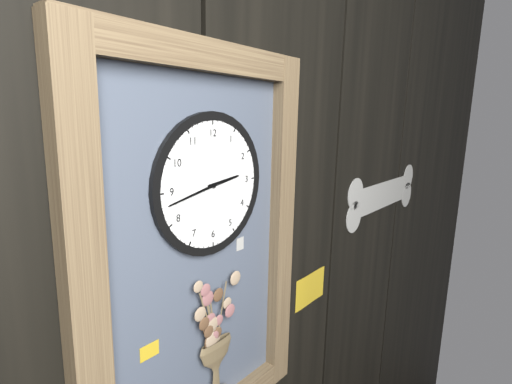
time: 2:43
